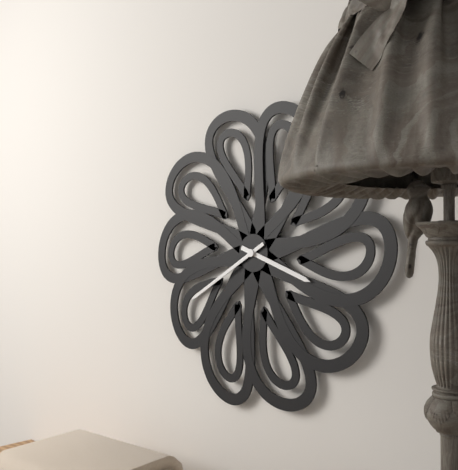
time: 3:40
